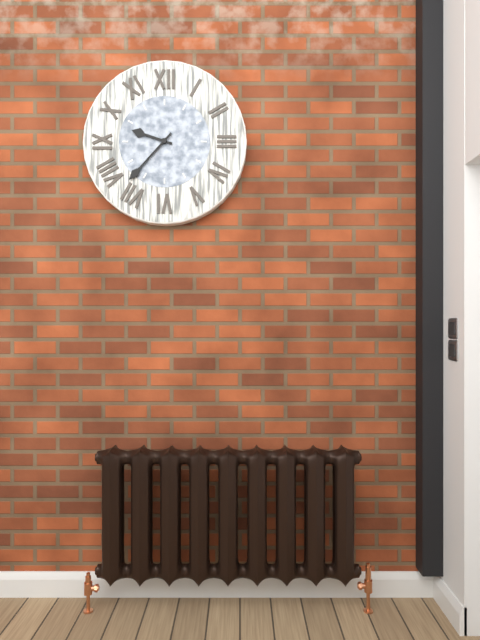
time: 9:37
